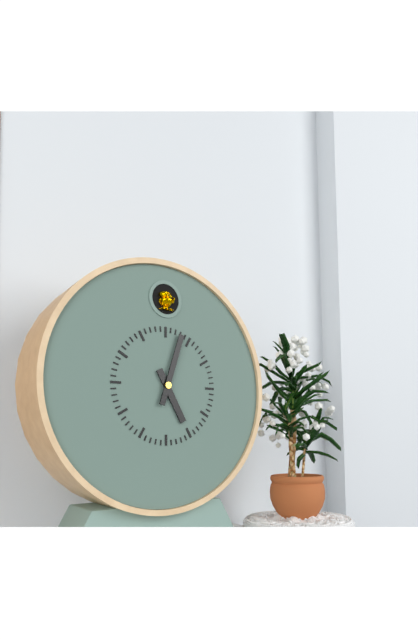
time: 5:03
